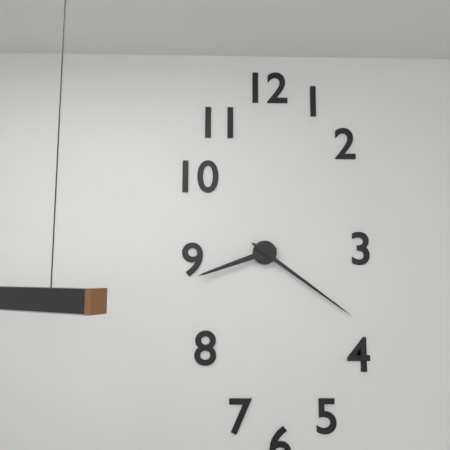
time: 8:21
